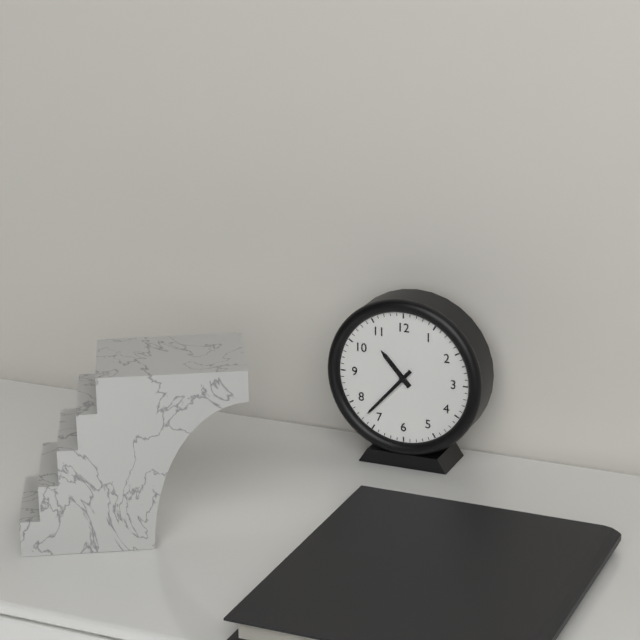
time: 10:37
